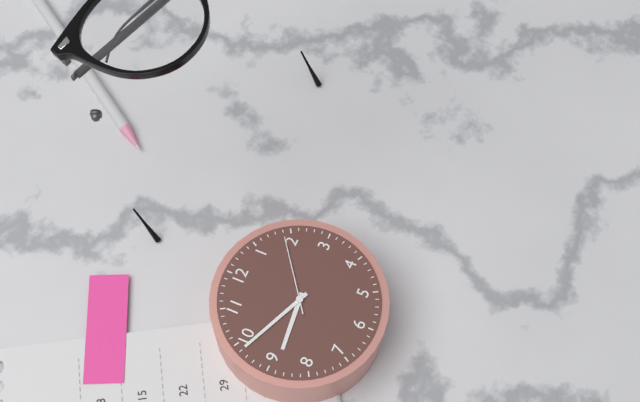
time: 8:49:09
